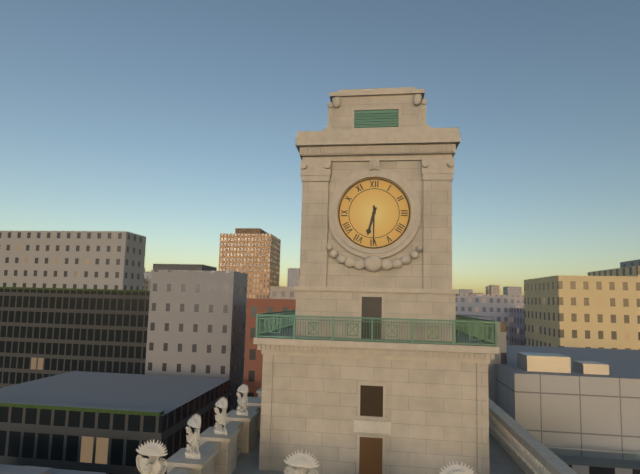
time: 6:30
